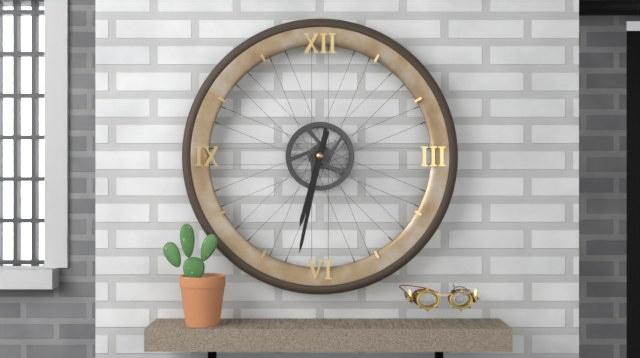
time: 6:32
